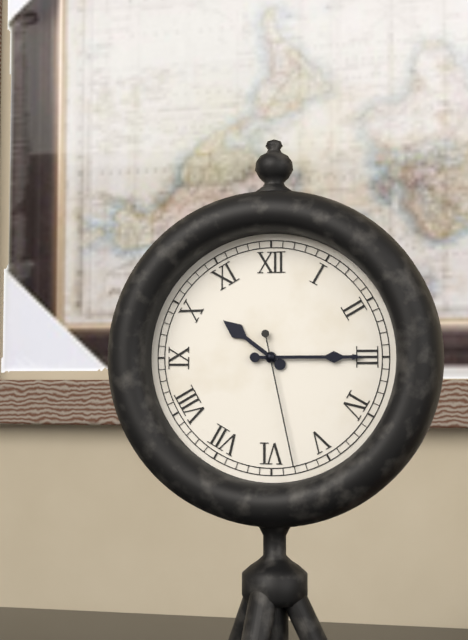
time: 10:15:28
